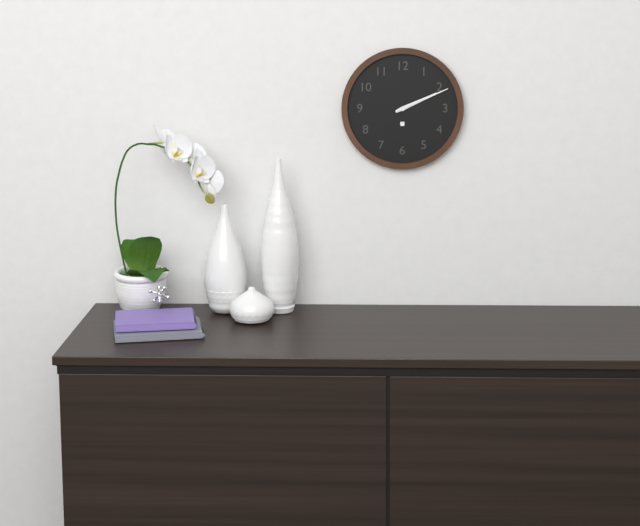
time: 2:11
